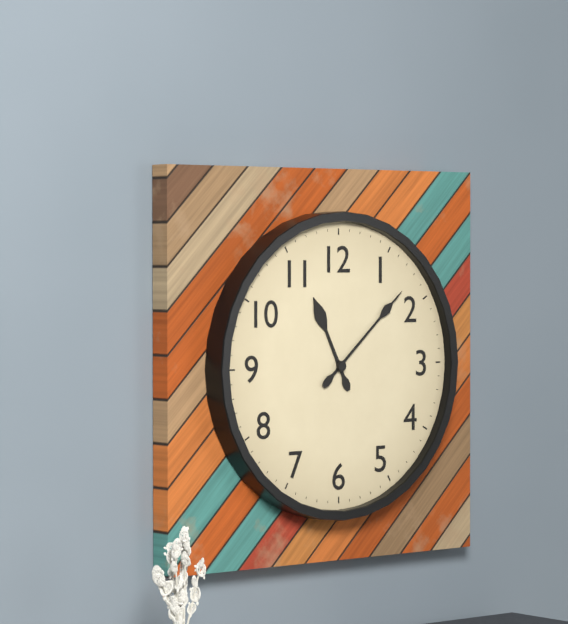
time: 11:08
